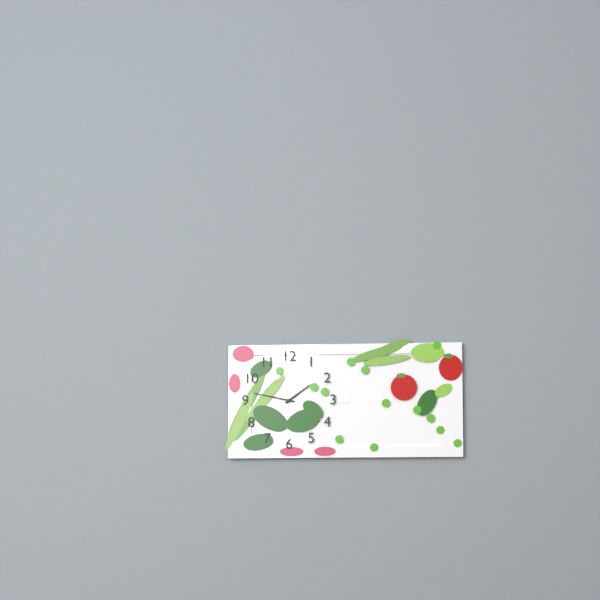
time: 1:47
